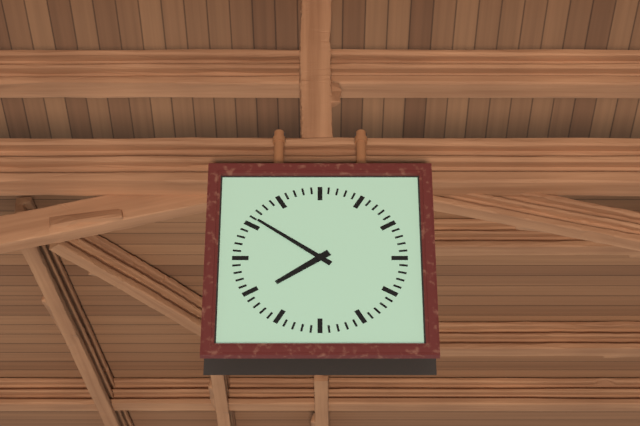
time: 7:51
